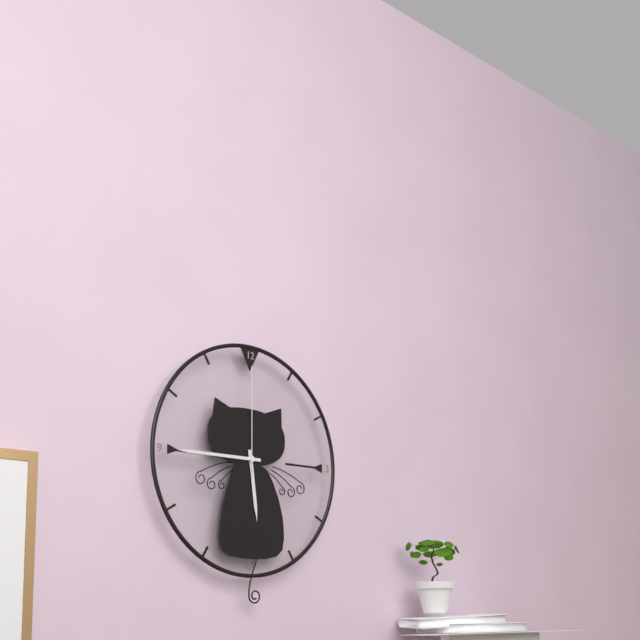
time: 5:45:00
